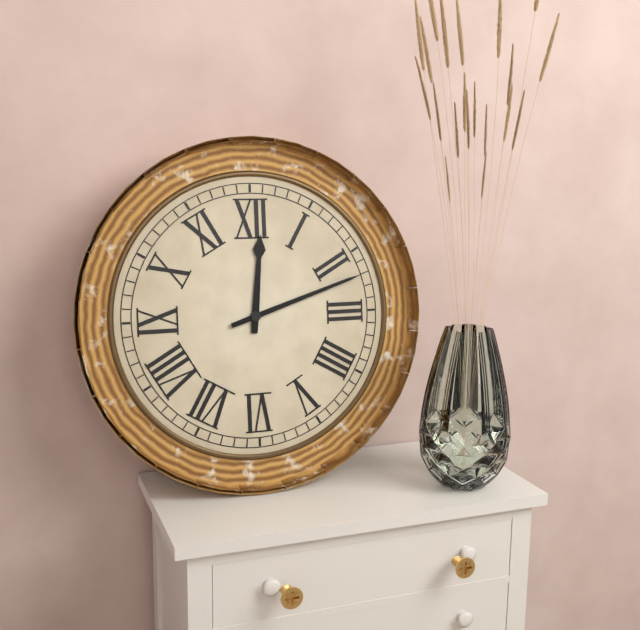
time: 12:12
